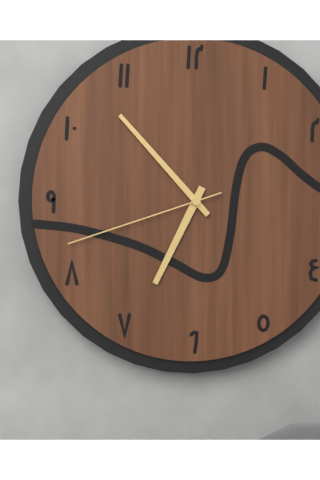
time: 6:53:42
